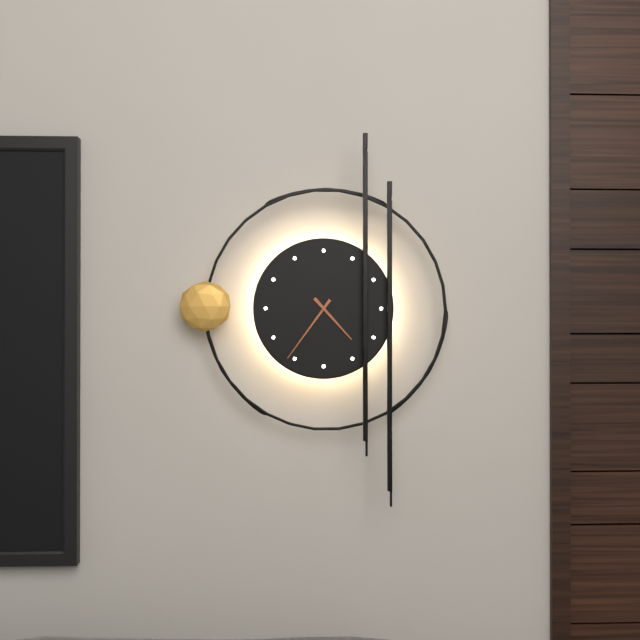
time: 4:36
